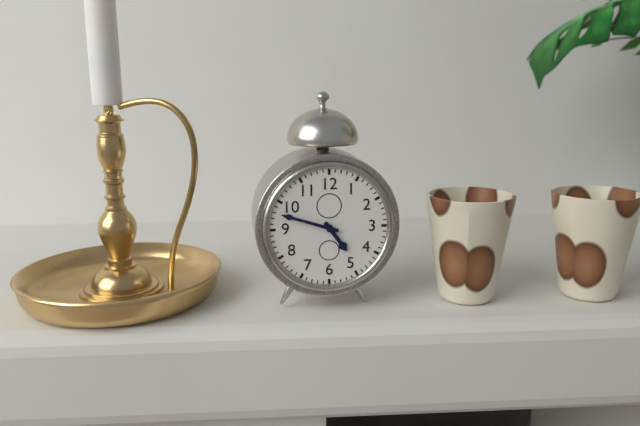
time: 4:48
